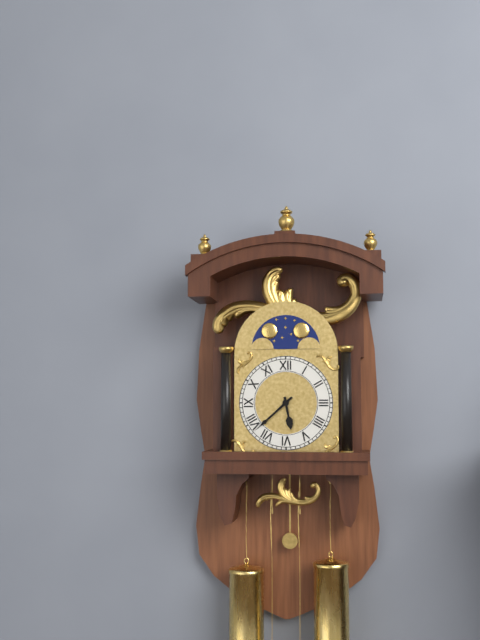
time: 5:38
